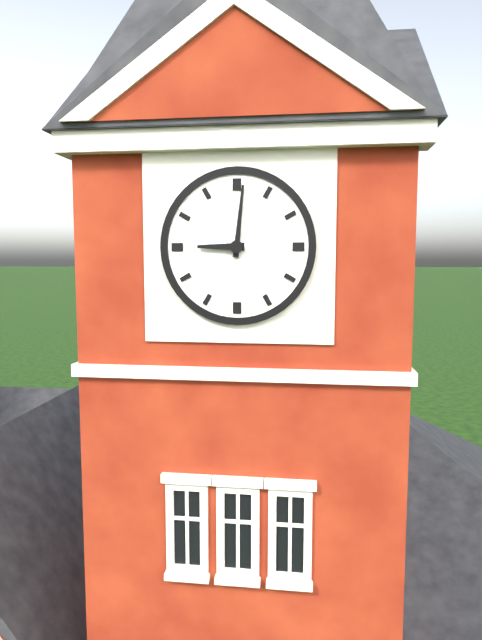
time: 9:01
